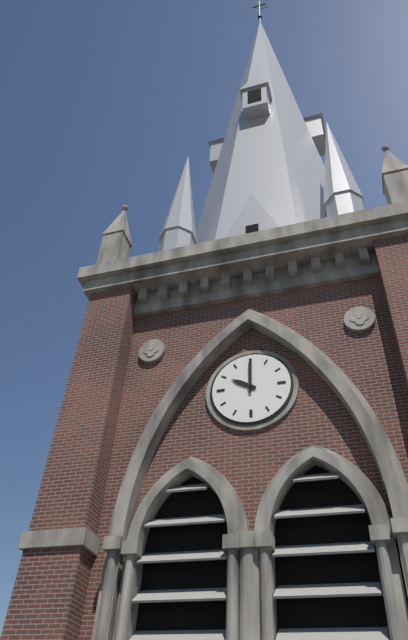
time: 10:00
